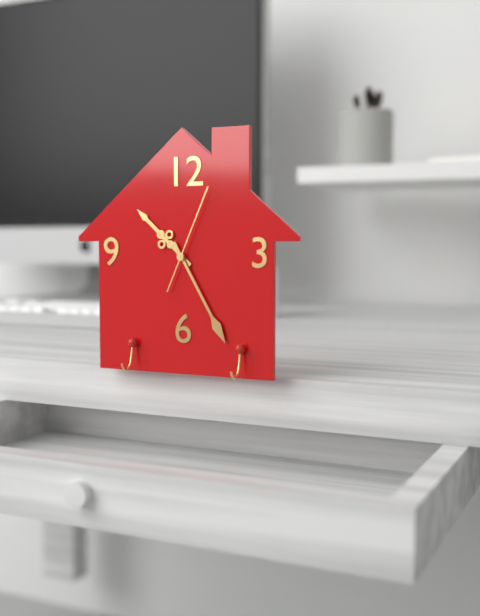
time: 10:25:04
